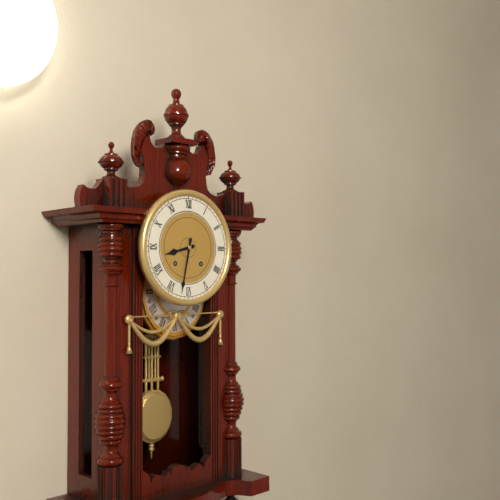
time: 8:32
